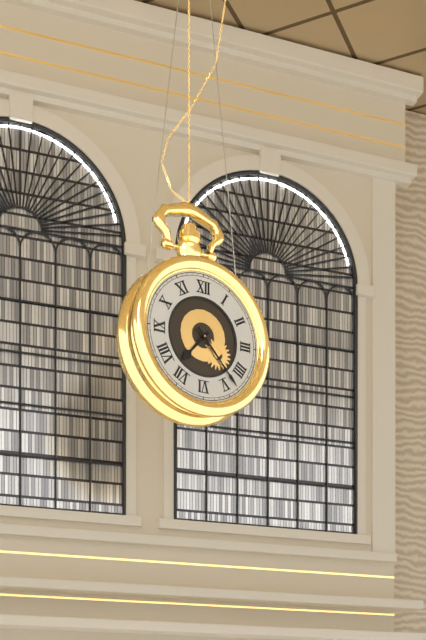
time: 7:23
